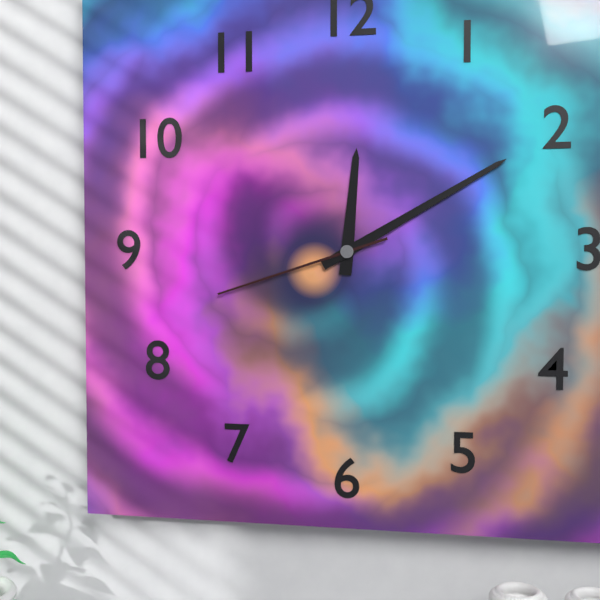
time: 12:10:42
